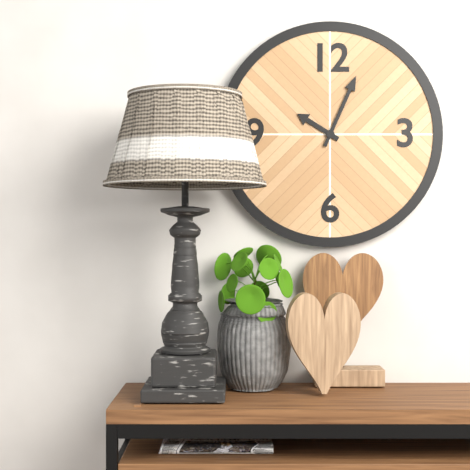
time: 10:04
